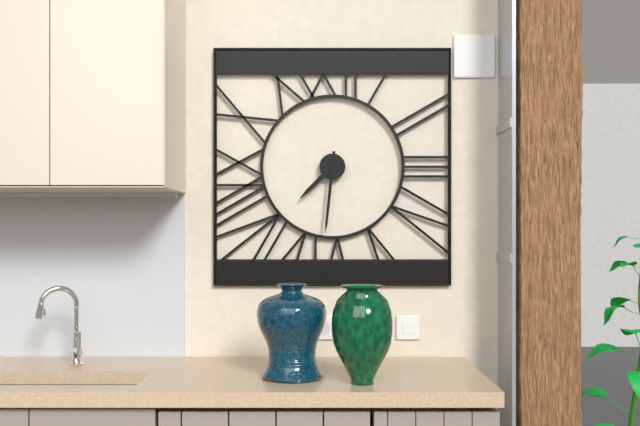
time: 7:31
